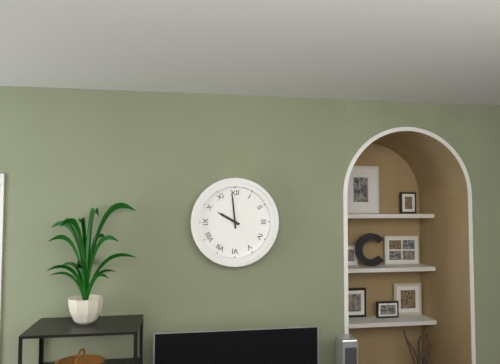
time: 9:59
